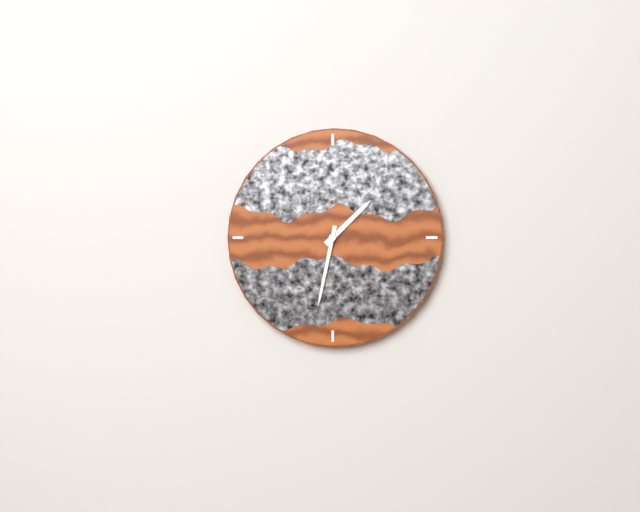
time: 1:32
